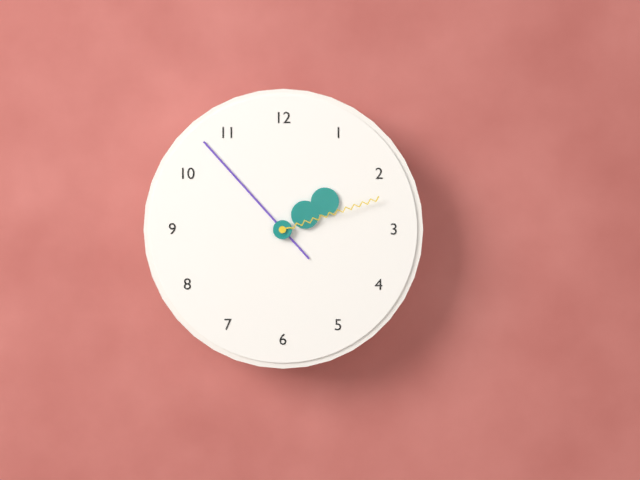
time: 1:53:12
